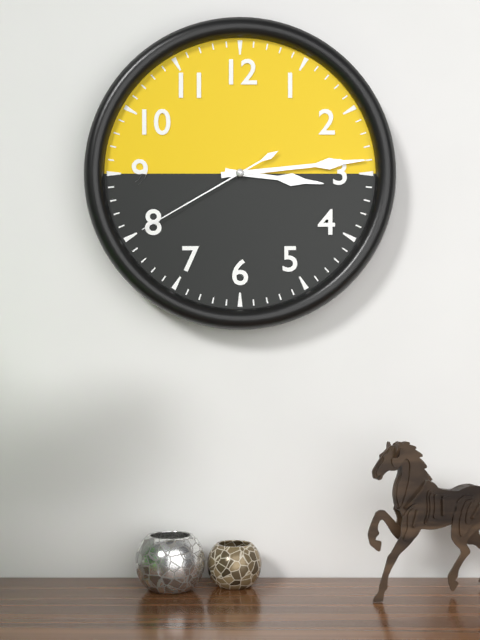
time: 3:14:40
